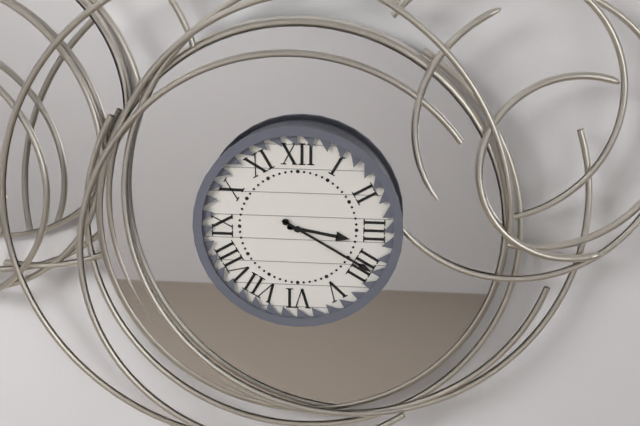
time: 3:20
